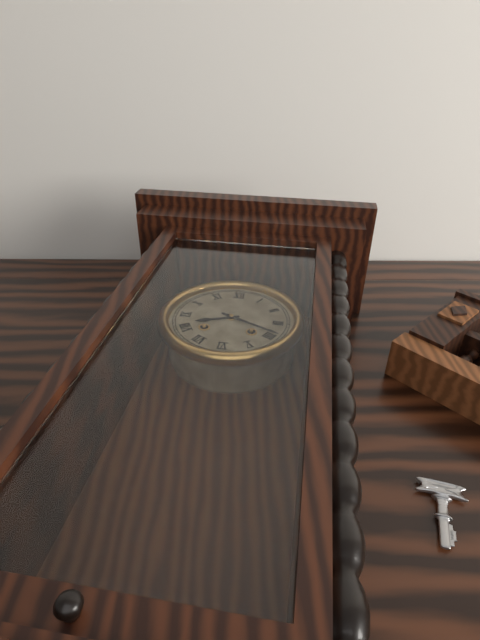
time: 8:19
